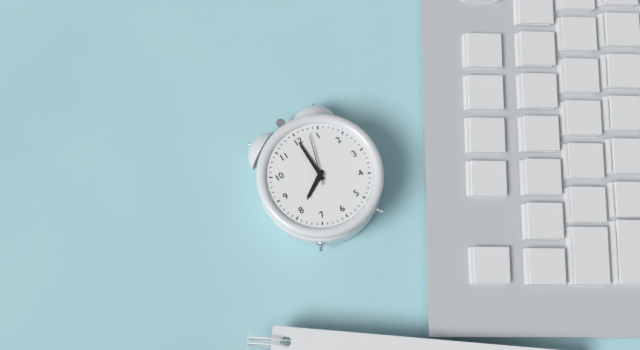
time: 8:00:03
